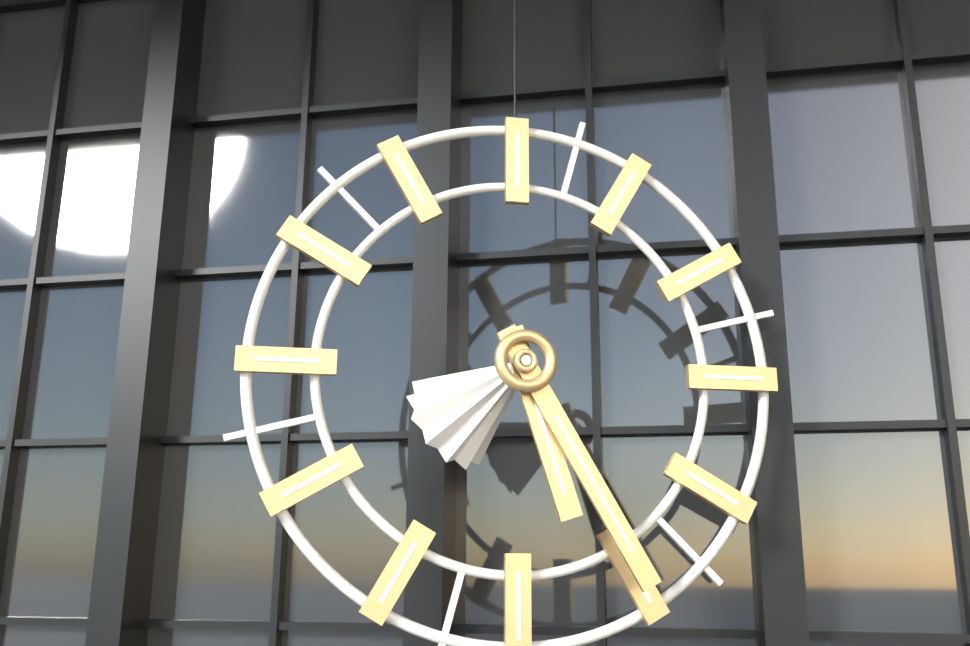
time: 5:25
